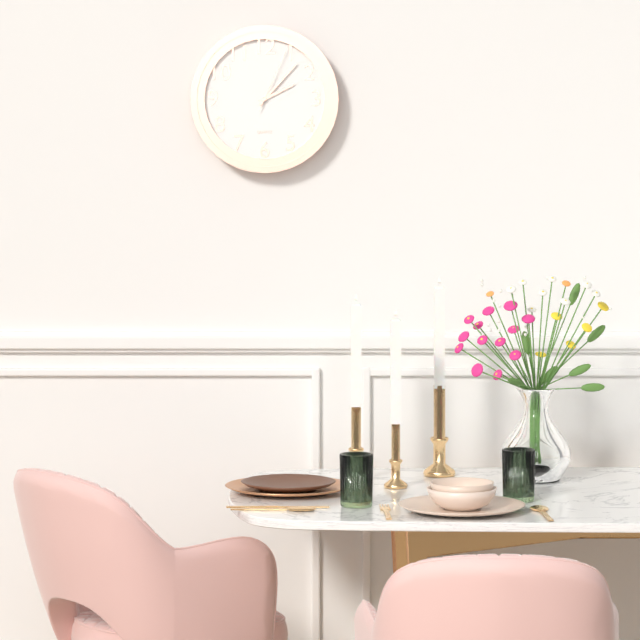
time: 2:07:04
